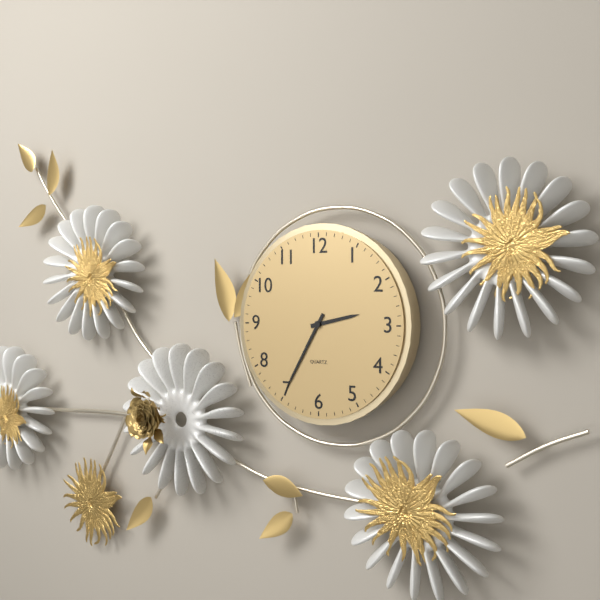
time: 2:35
